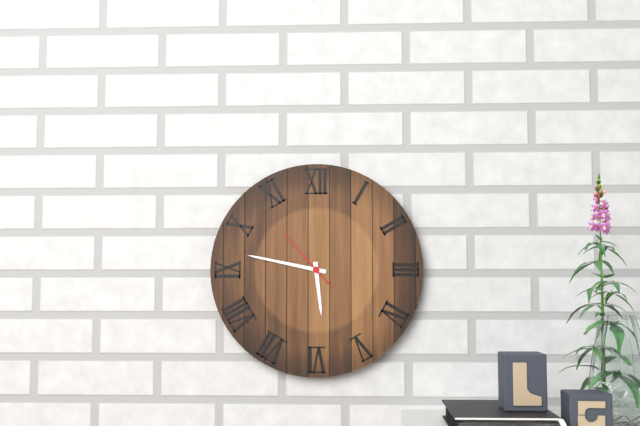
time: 5:47:53
